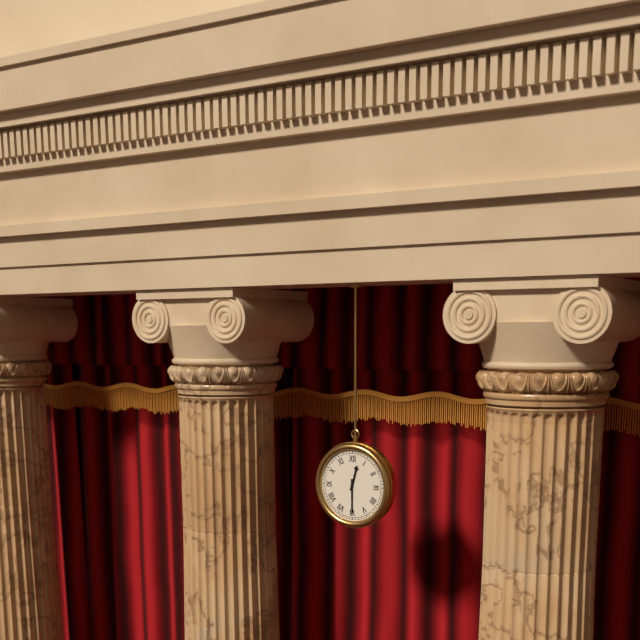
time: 12:30
